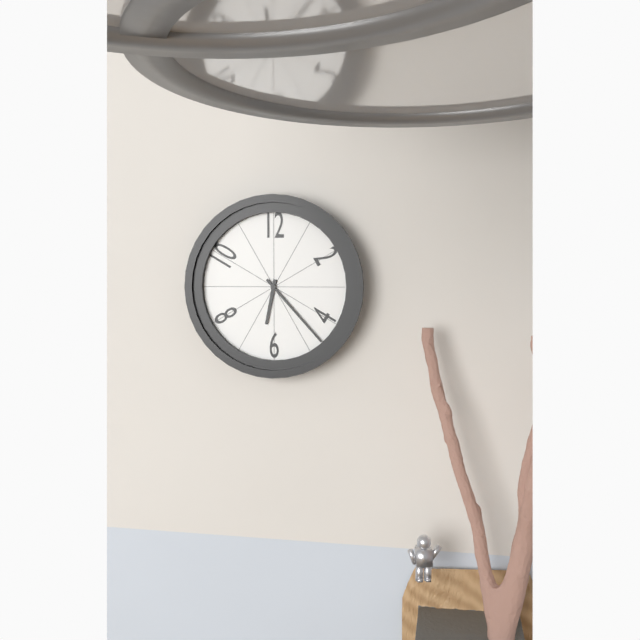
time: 6:23
